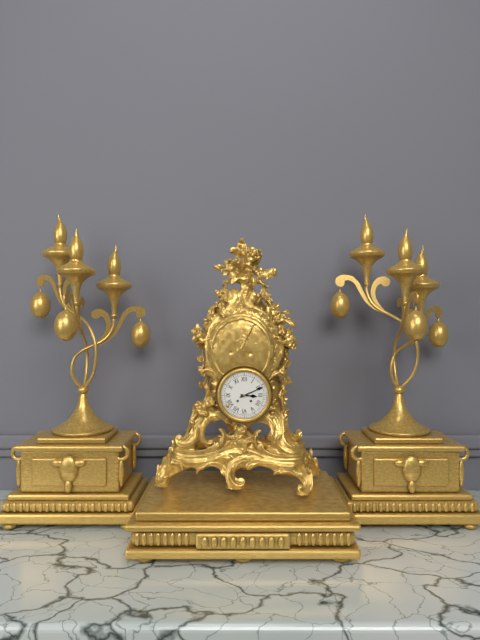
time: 3:11
